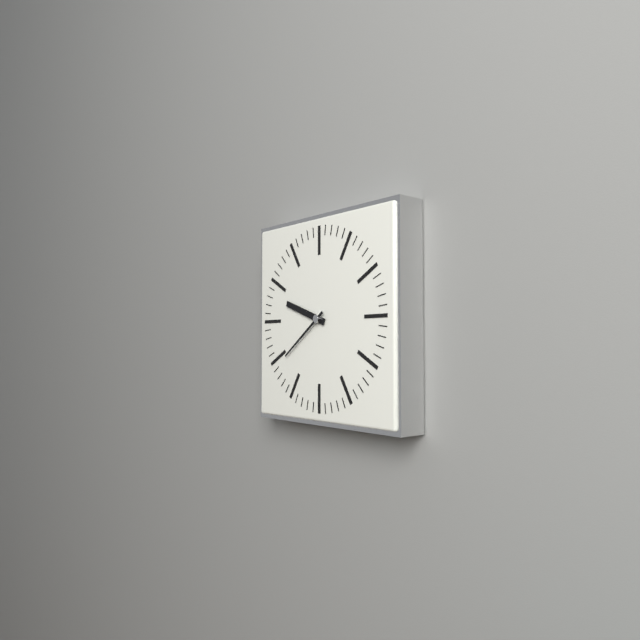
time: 9:39
